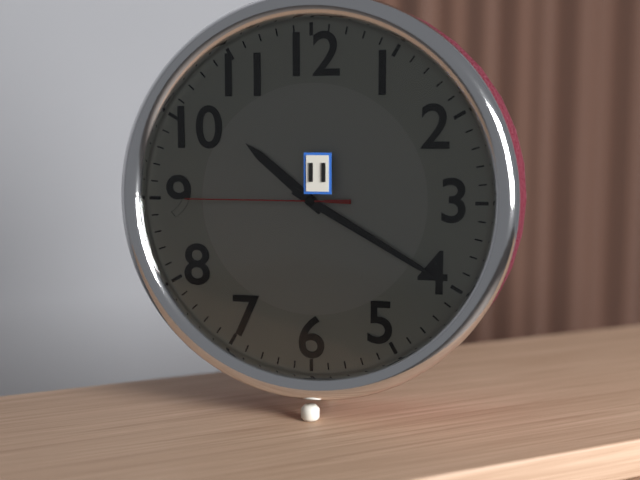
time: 10:20:45
